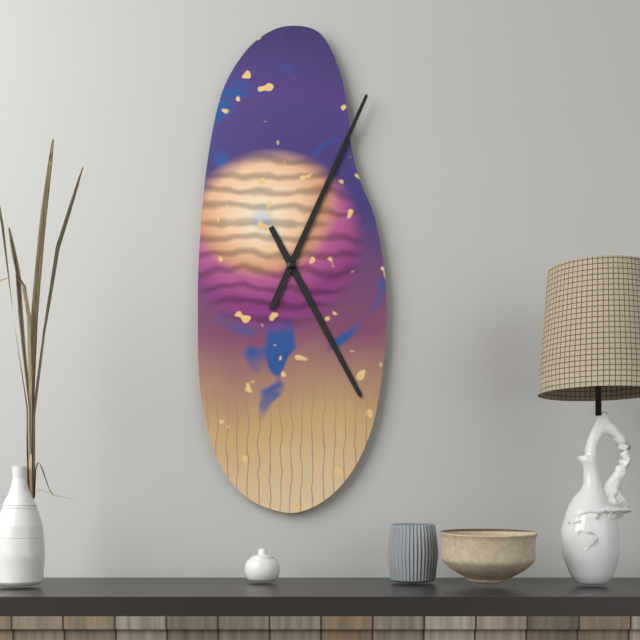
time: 5:04
